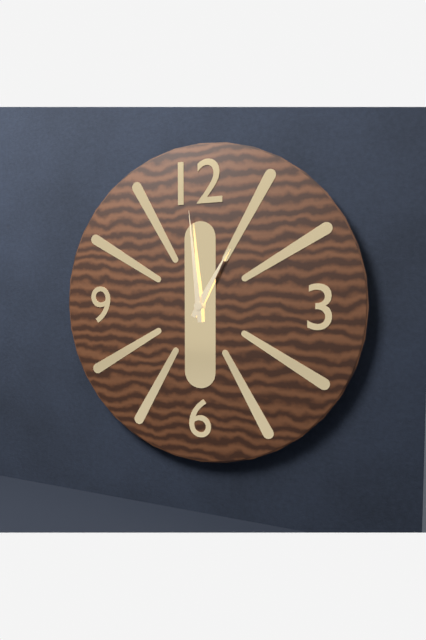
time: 12:59
